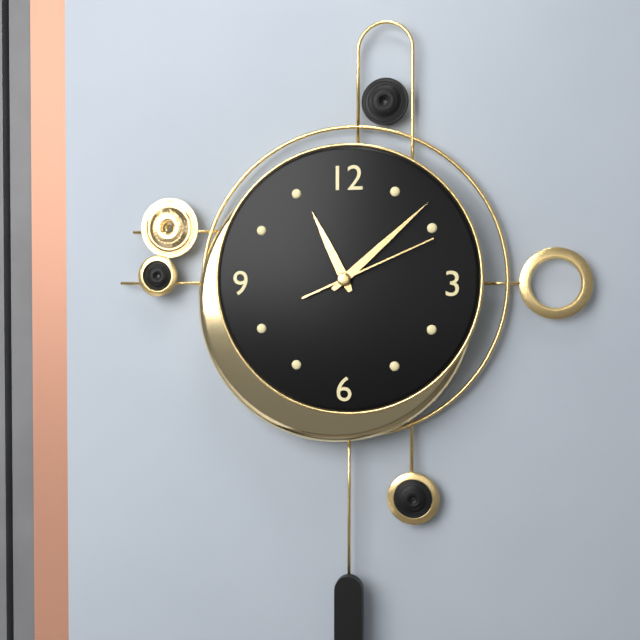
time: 11:08:11
